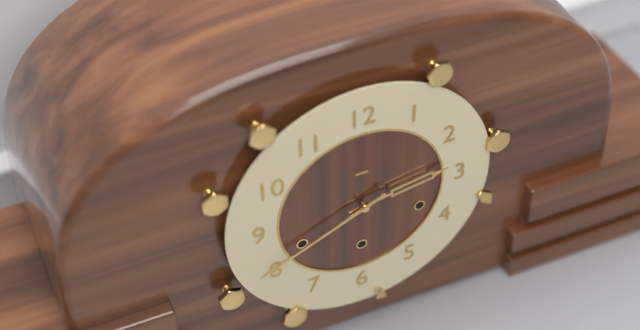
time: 2:41
